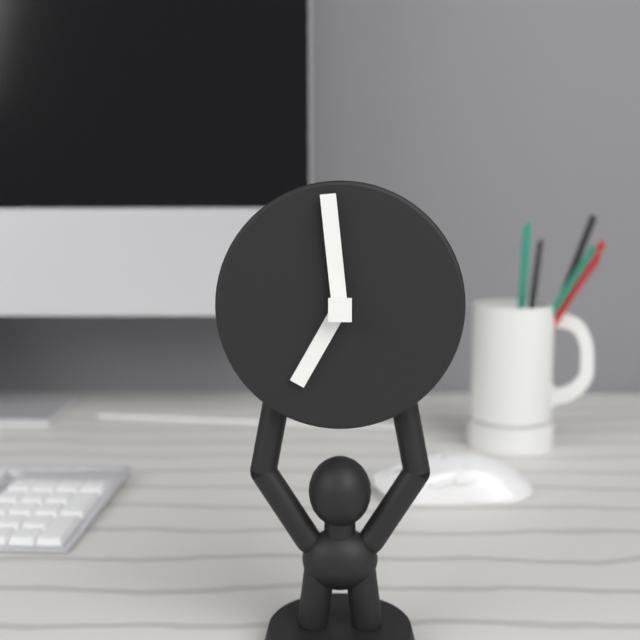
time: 6:59
